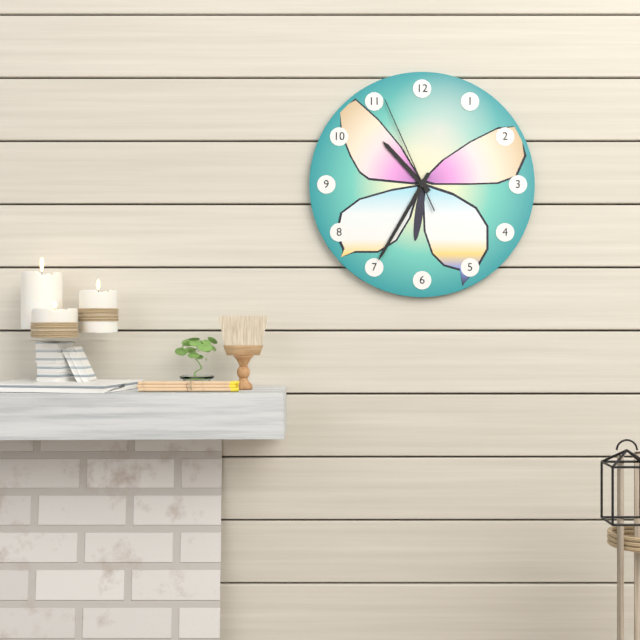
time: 10:35:56
